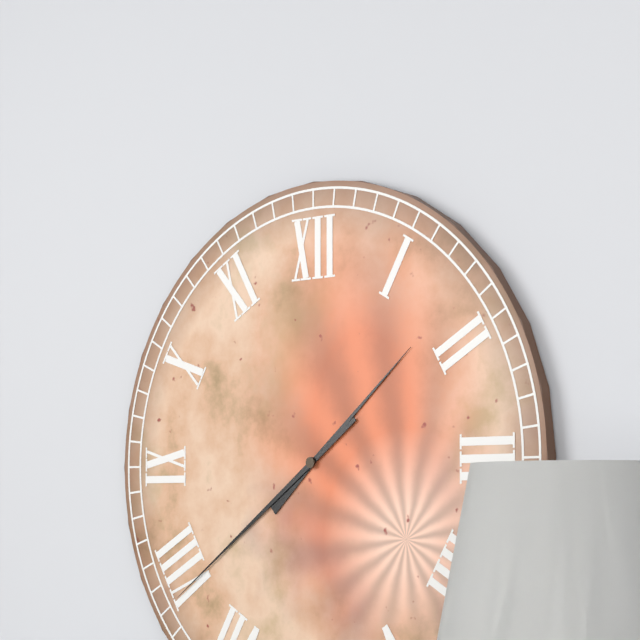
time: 1:39
